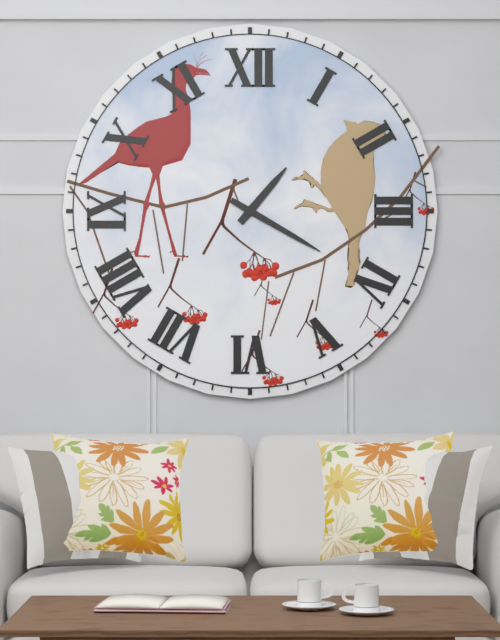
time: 1:20
